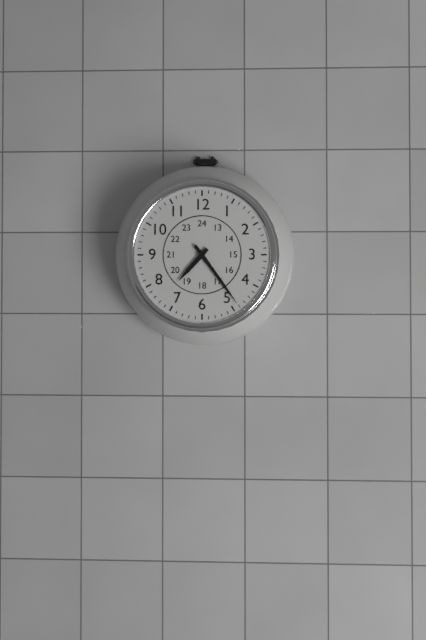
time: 7:24
